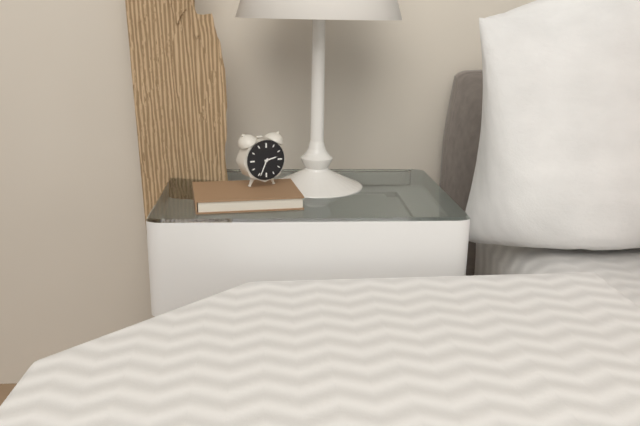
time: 2:34
